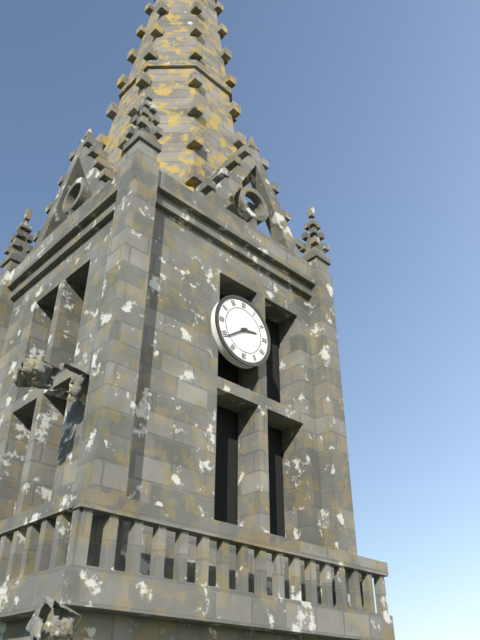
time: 2:39
